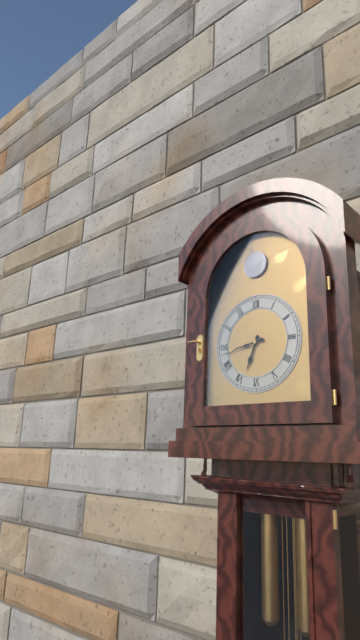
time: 6:43
